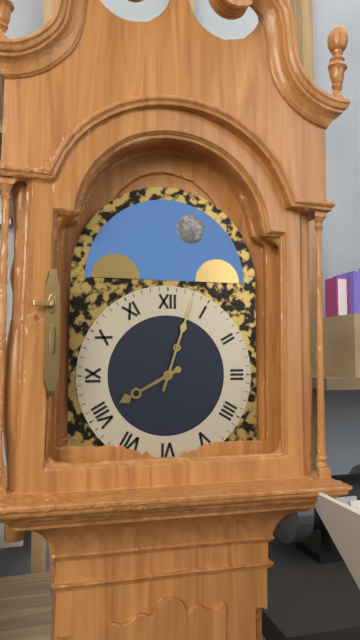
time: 8:03
